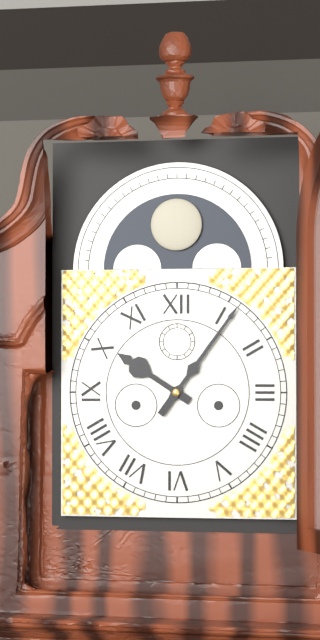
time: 10:06
